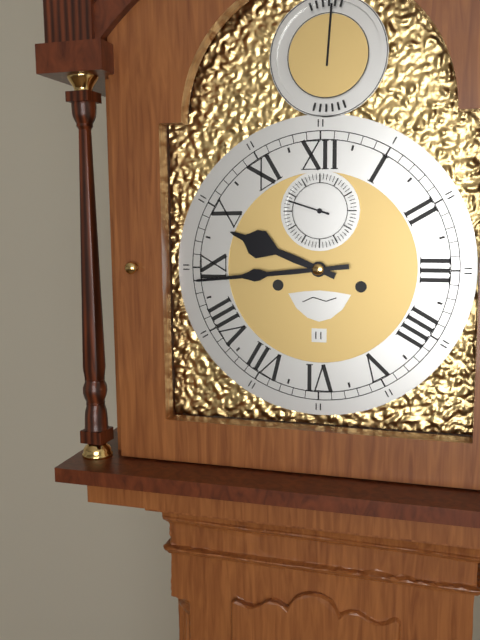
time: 9:44
